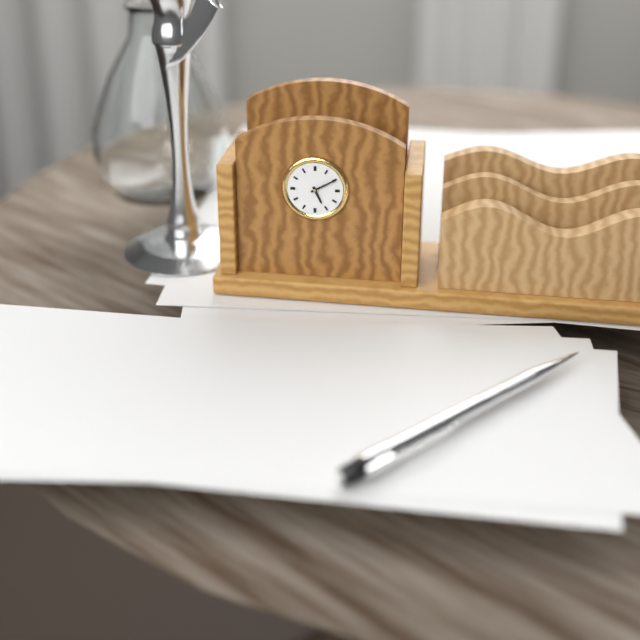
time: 5:10
